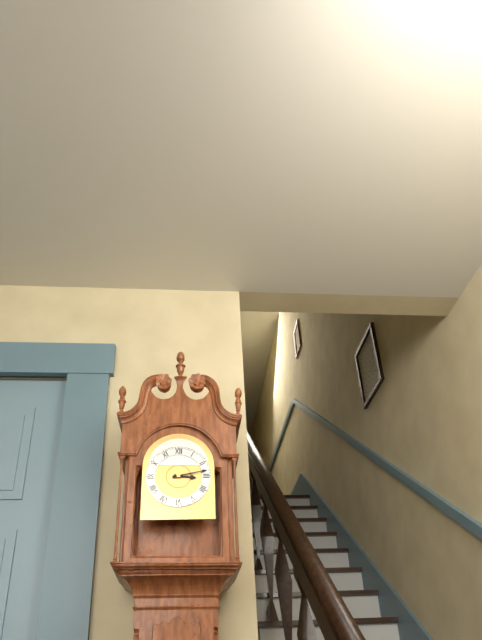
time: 3:13
